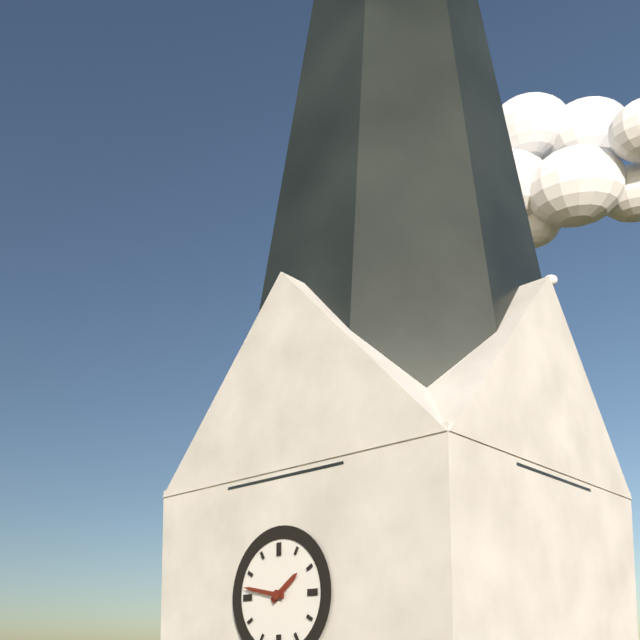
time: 1:47
